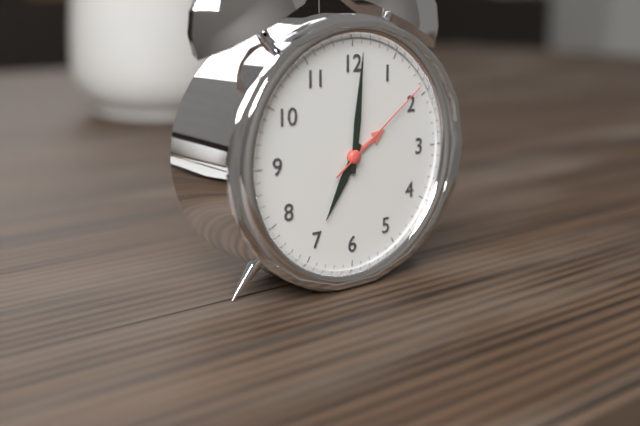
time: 7:01:09
